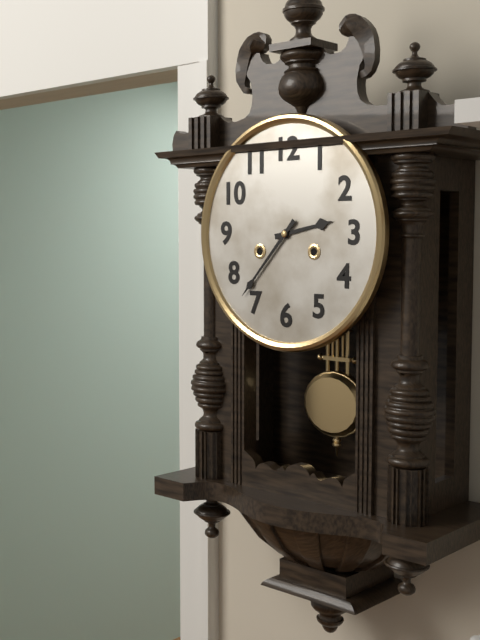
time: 2:37
